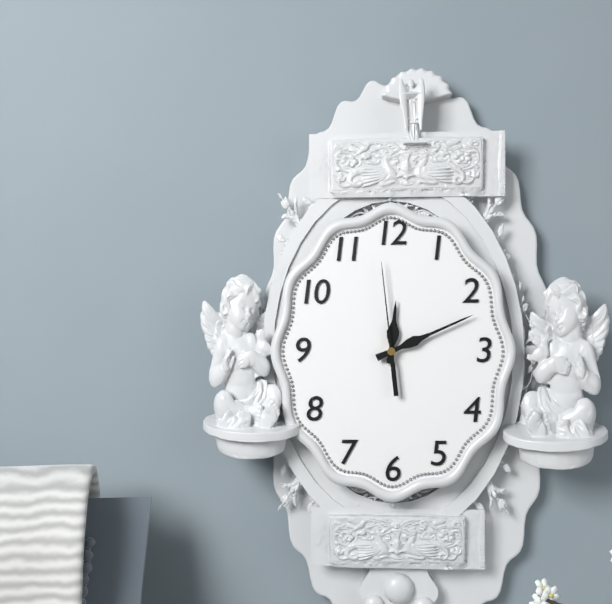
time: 12:11:59
